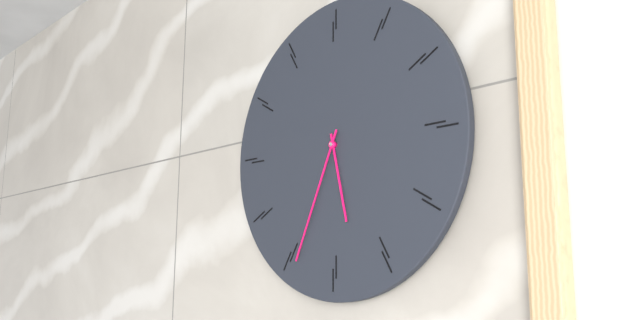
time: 5:34
